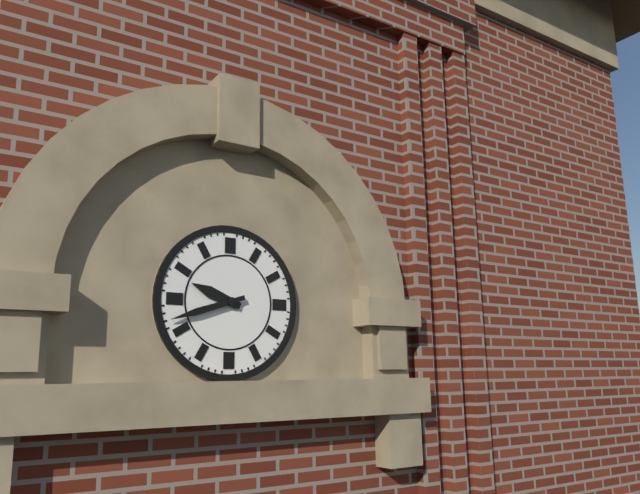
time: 9:42
